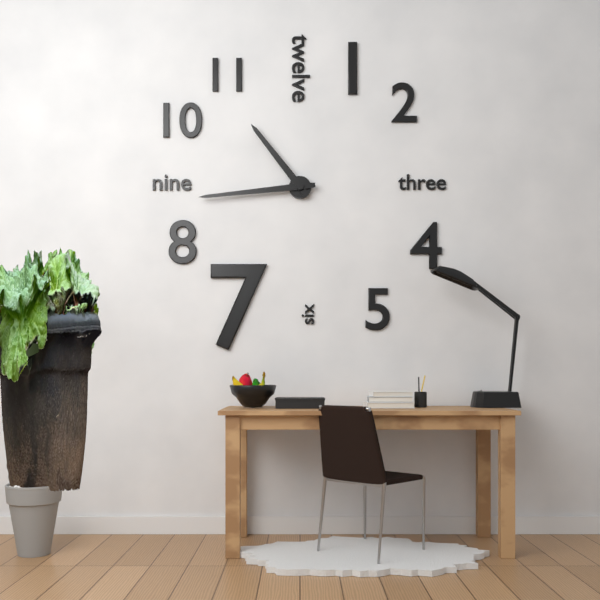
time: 10:44
